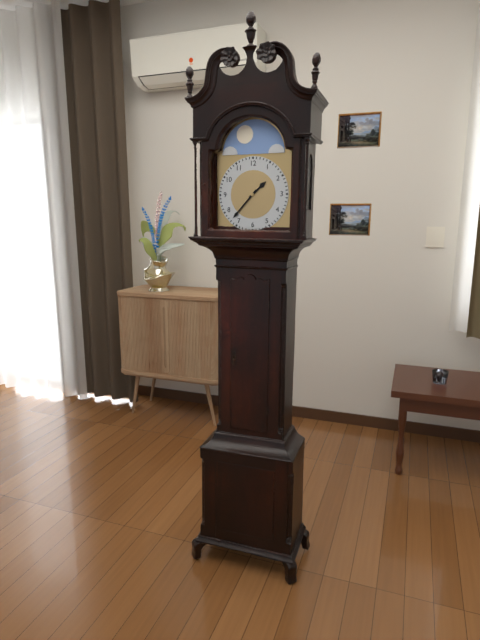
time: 1:37
